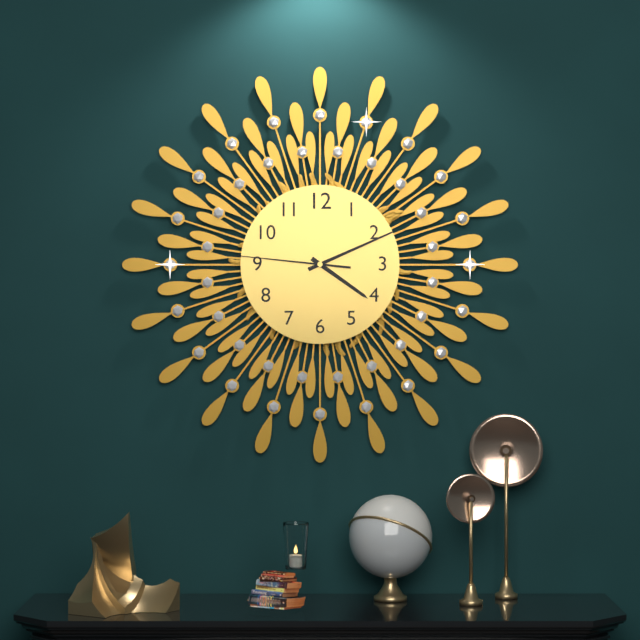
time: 4:11:46
